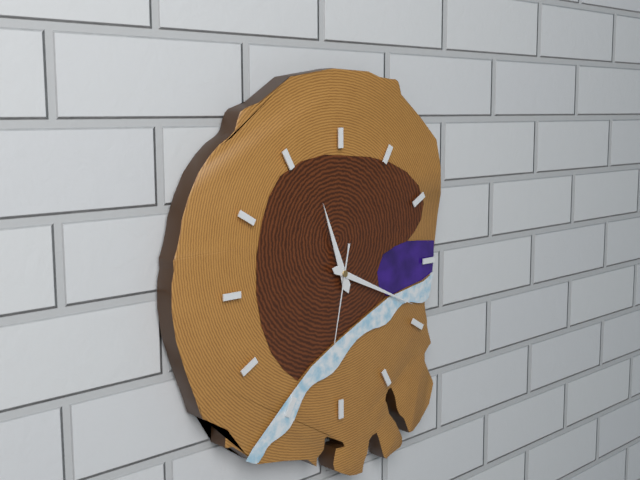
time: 11:19:32
